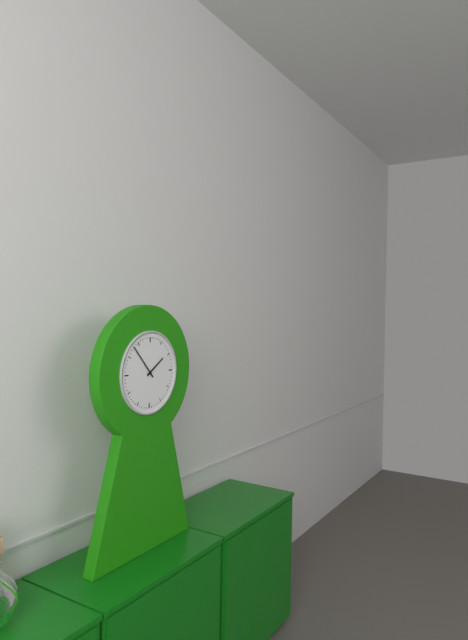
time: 1:53
